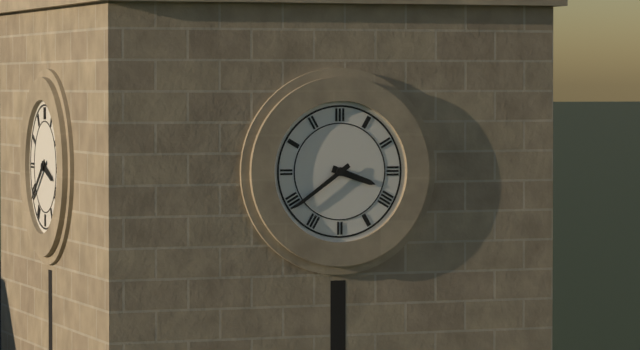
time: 3:39
